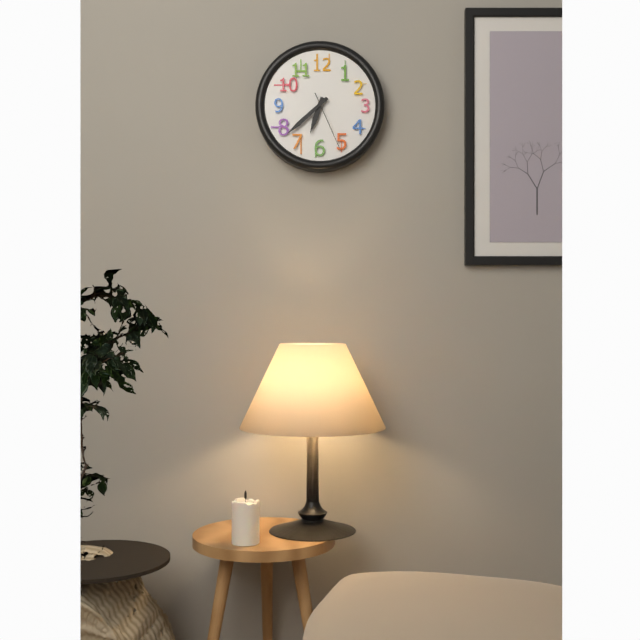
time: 6:38:26
